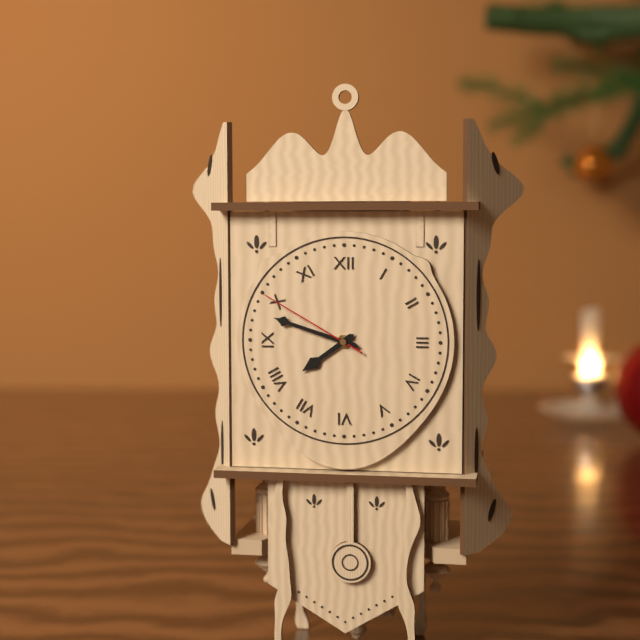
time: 7:48:50
